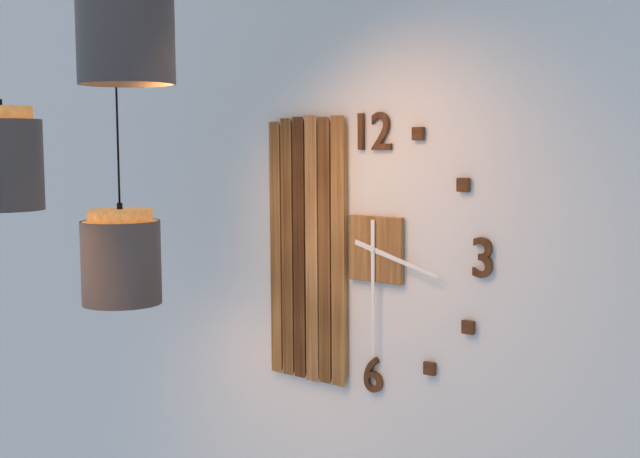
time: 3:30
